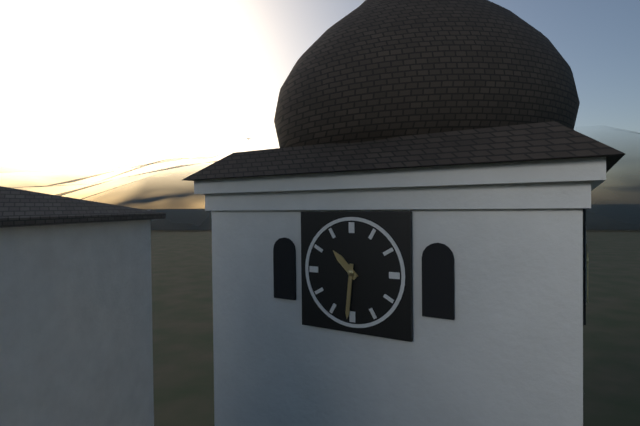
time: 10:31
